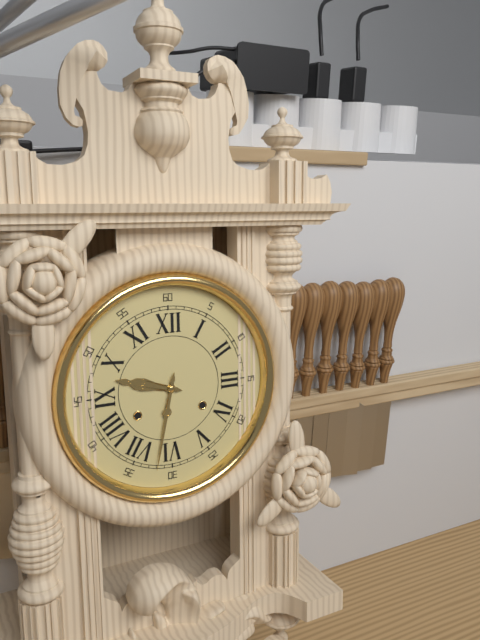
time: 9:32
